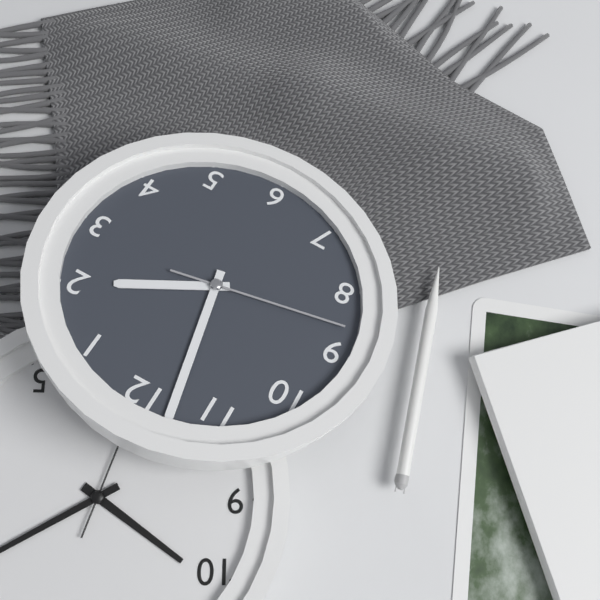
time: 1:58:43
